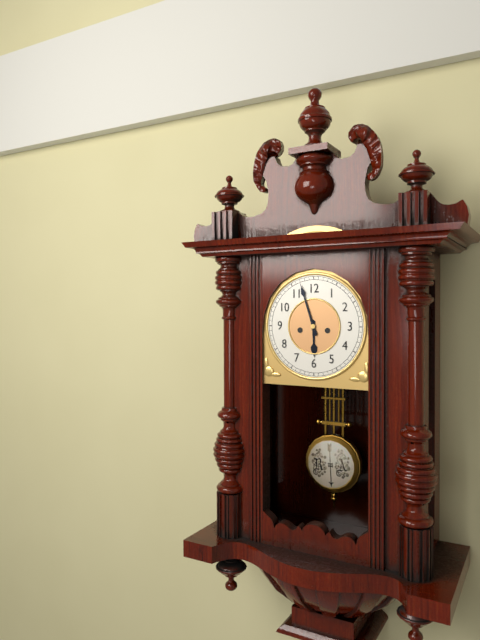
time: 5:57
